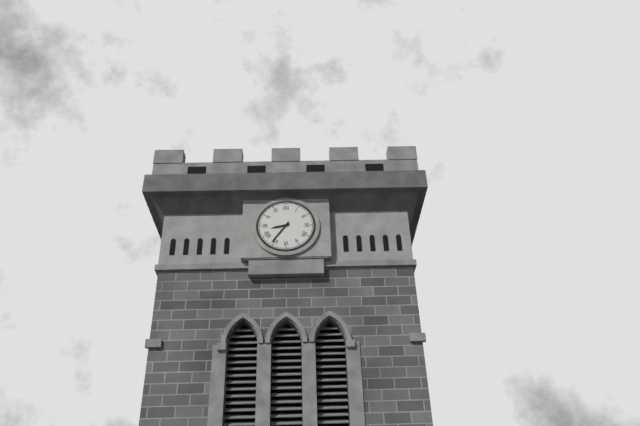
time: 8:36
